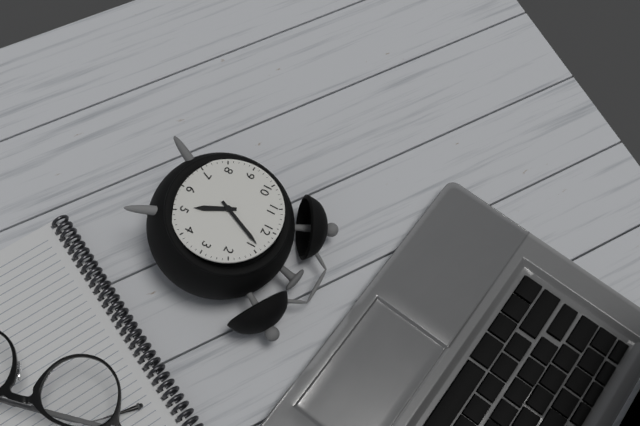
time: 5:04
